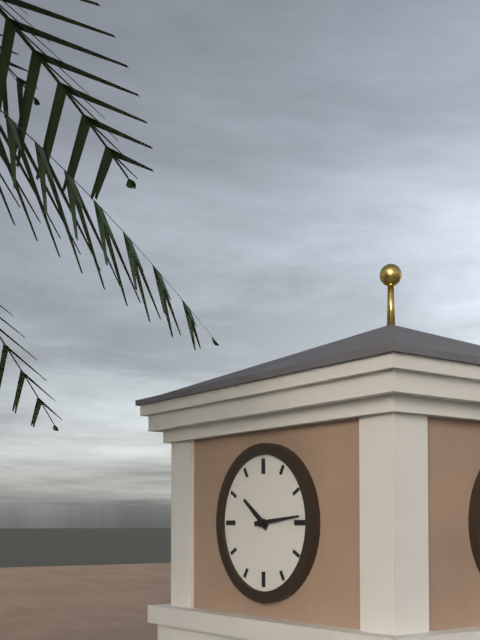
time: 10:14
